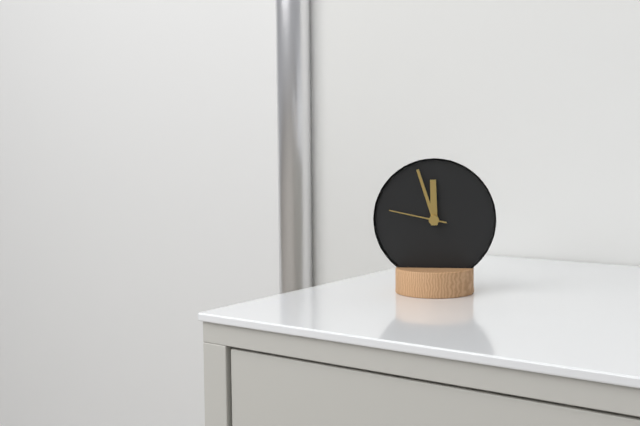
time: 11:57:47
